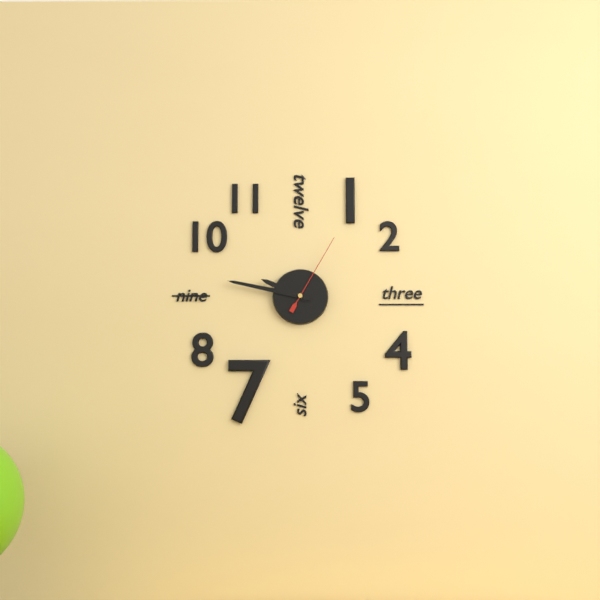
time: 9:47:05
